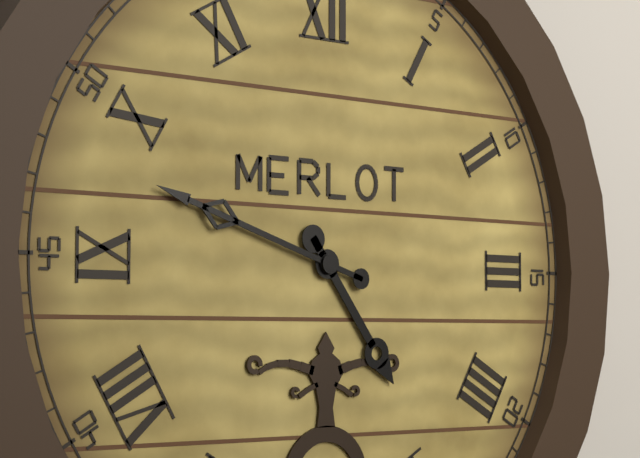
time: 4:48
